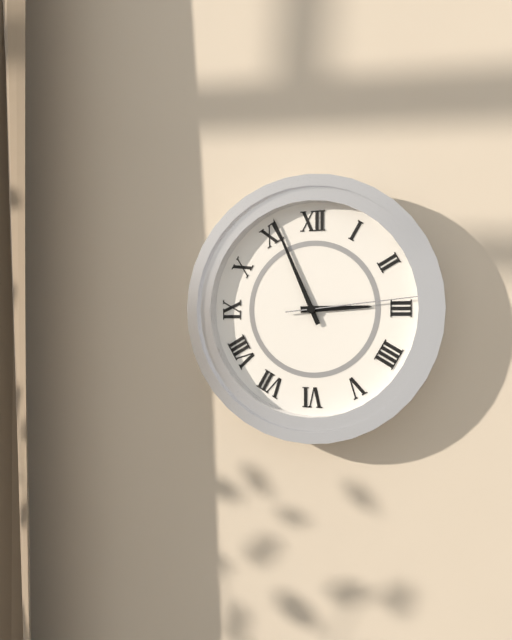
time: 2:56:14
